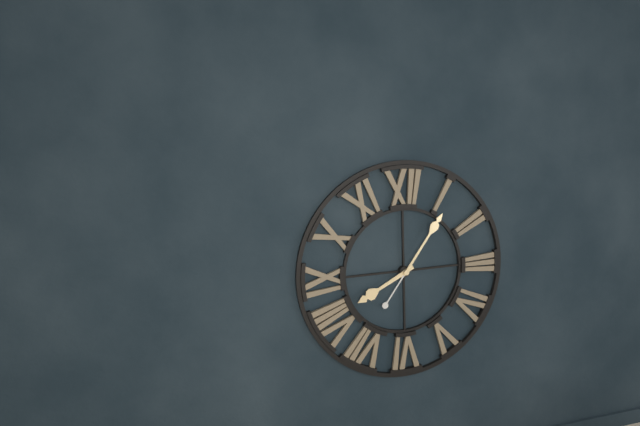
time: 8:06
